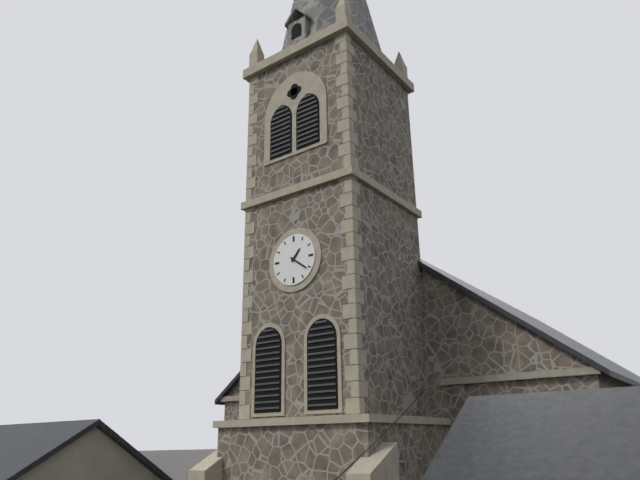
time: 1:21
